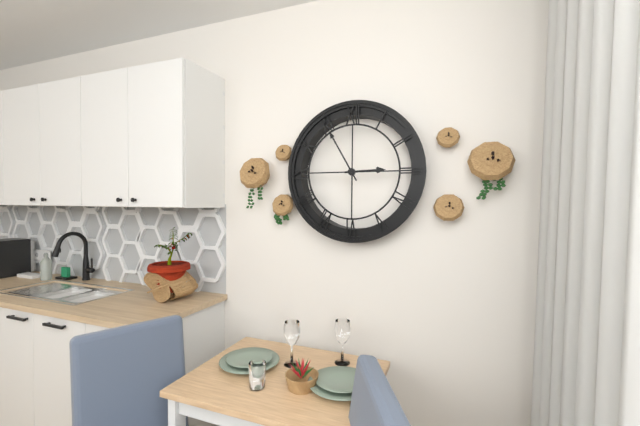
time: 2:55
